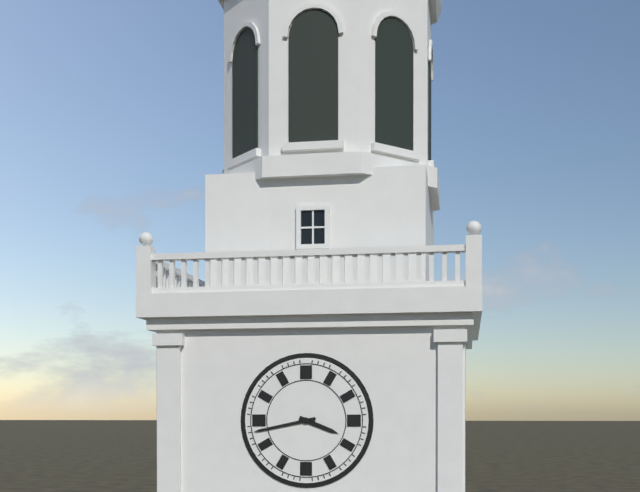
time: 3:43
